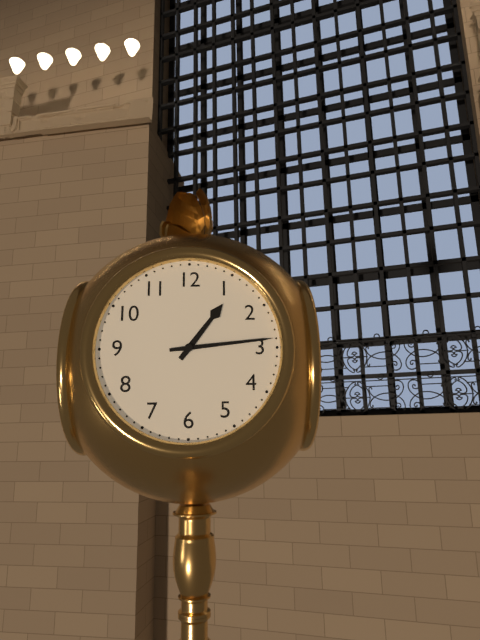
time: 1:14
